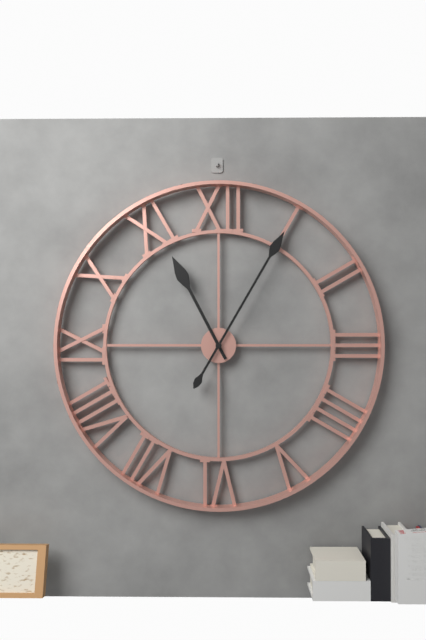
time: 11:05
